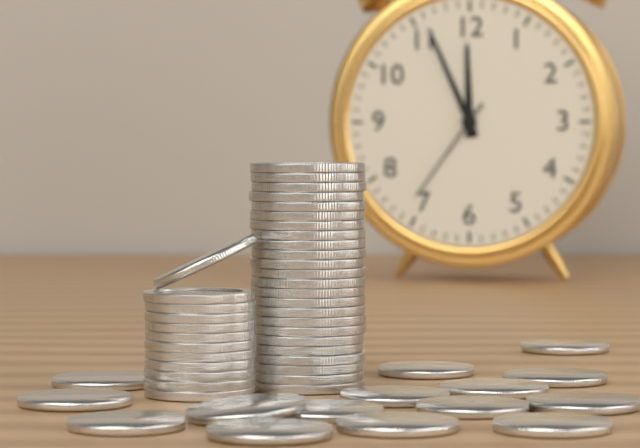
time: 11:56:36
